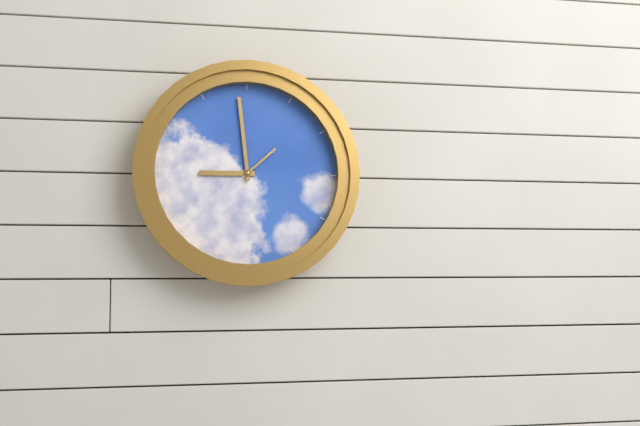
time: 8:59:38
